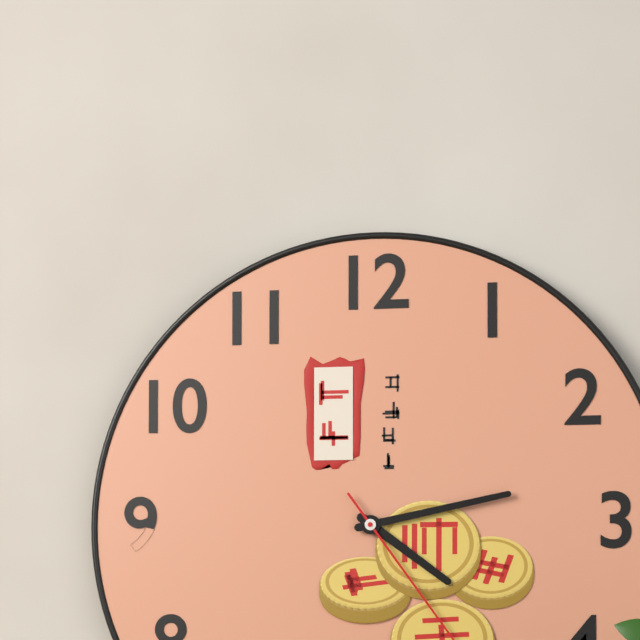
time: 4:13
